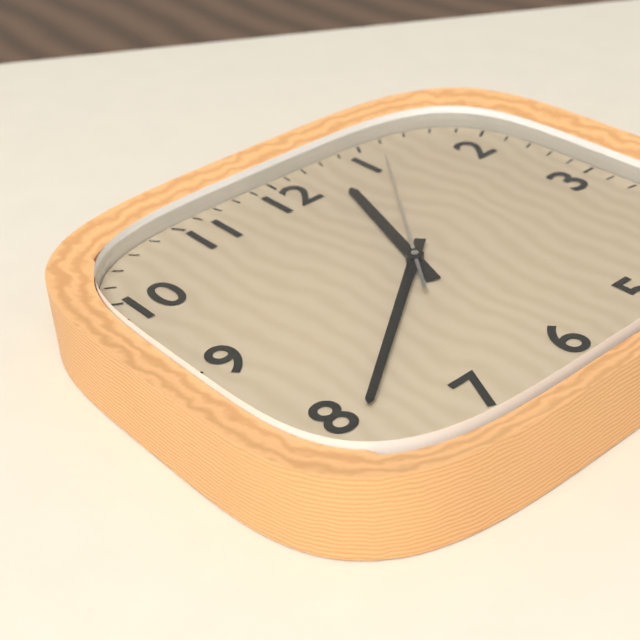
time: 12:39:06
